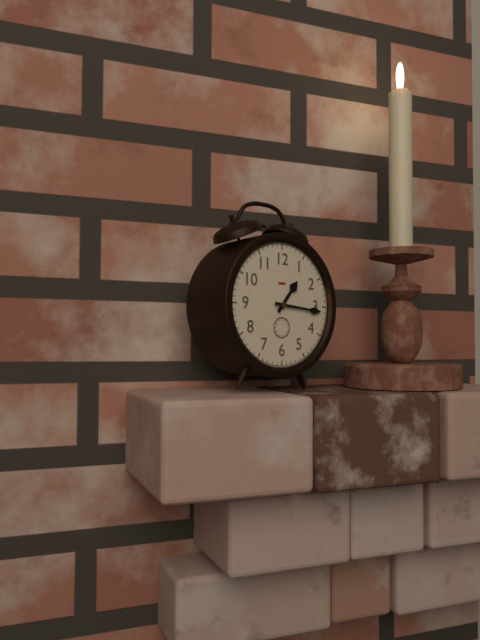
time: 1:16
